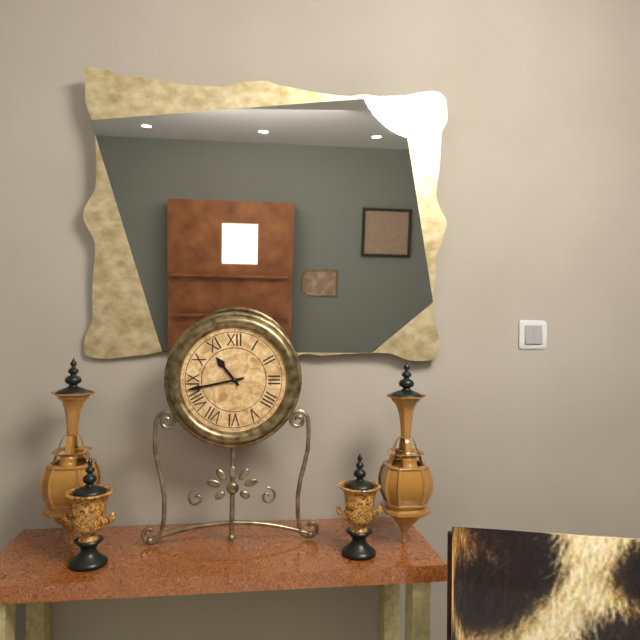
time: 10:43
